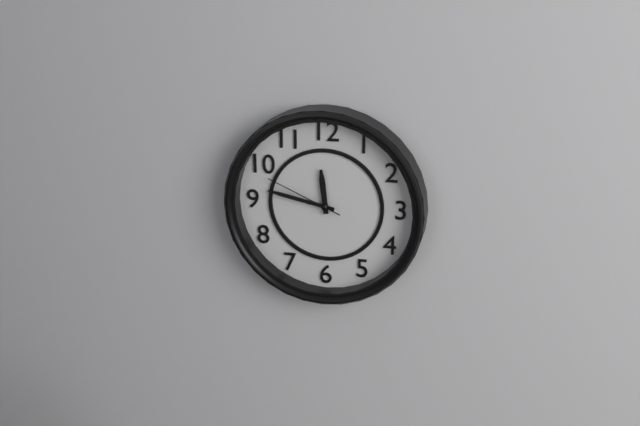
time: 11:47:49
